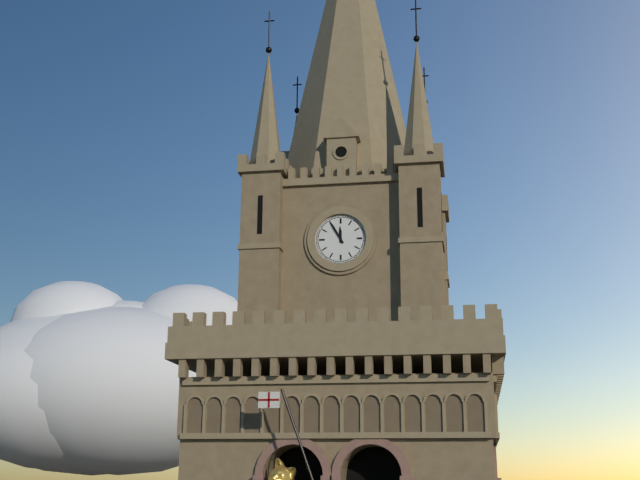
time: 11:55
